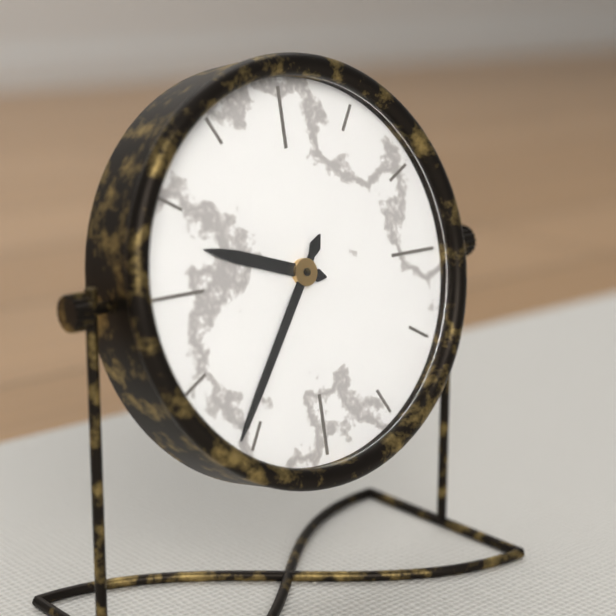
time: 9:36
